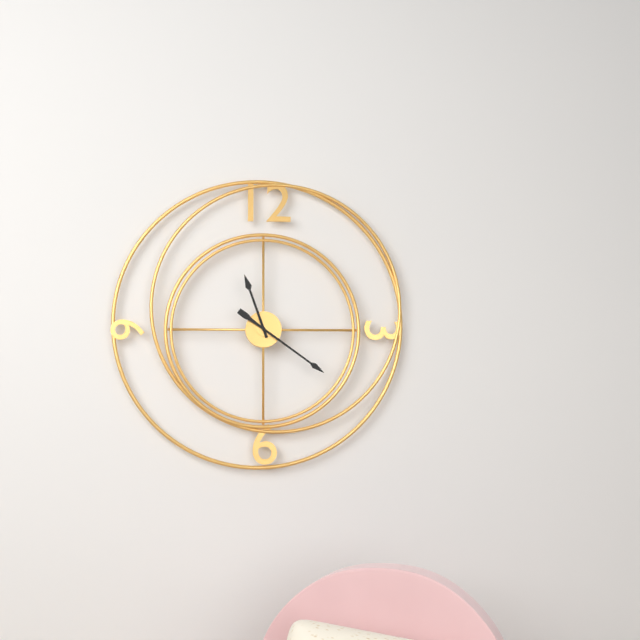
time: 11:21
